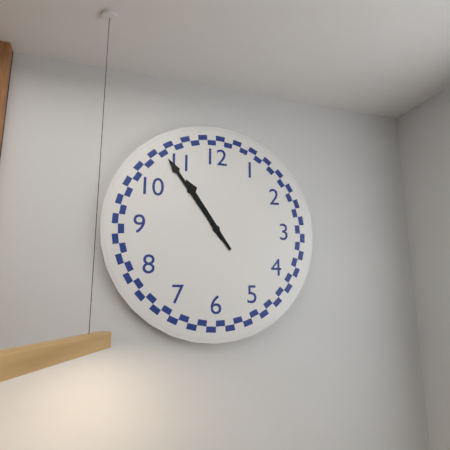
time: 10:54
